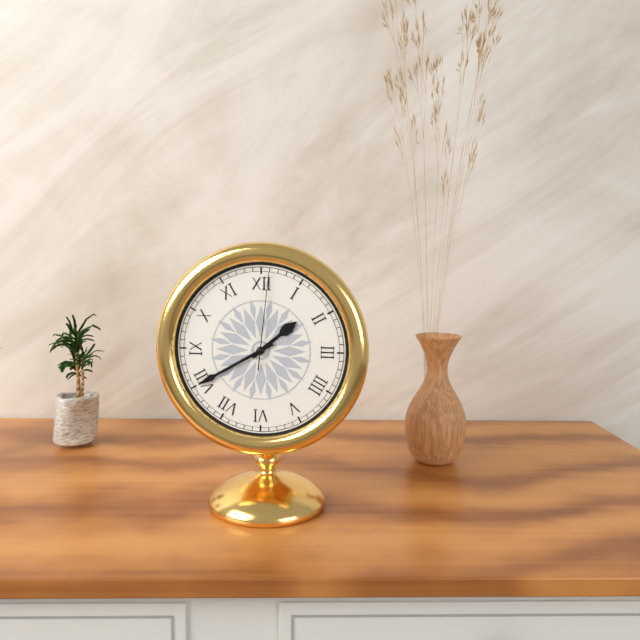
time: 1:40:01
